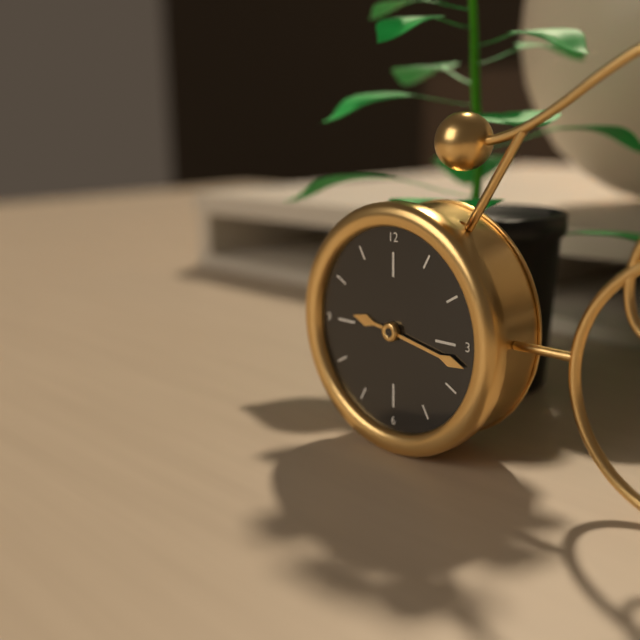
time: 9:17
